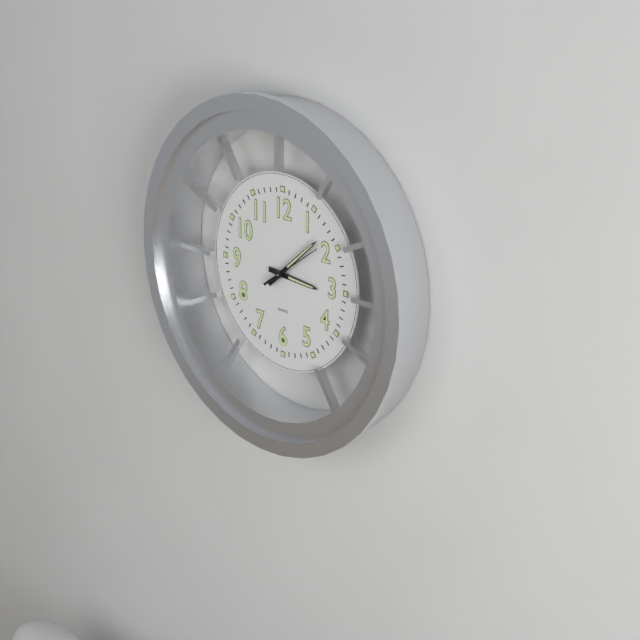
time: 3:08:09
